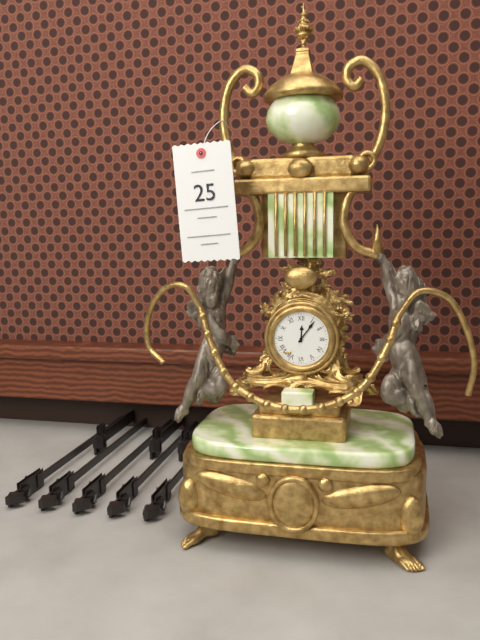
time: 12:06
